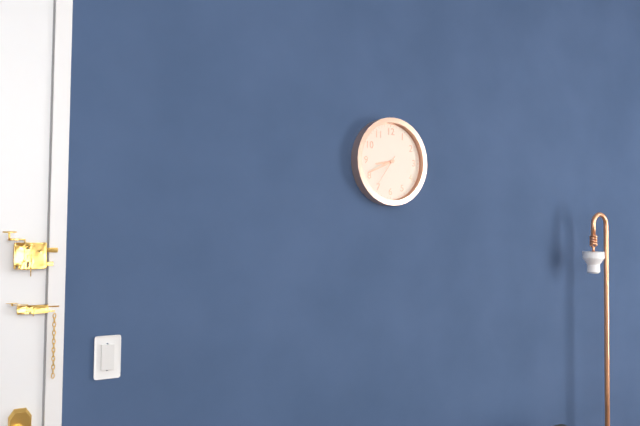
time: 8:41
